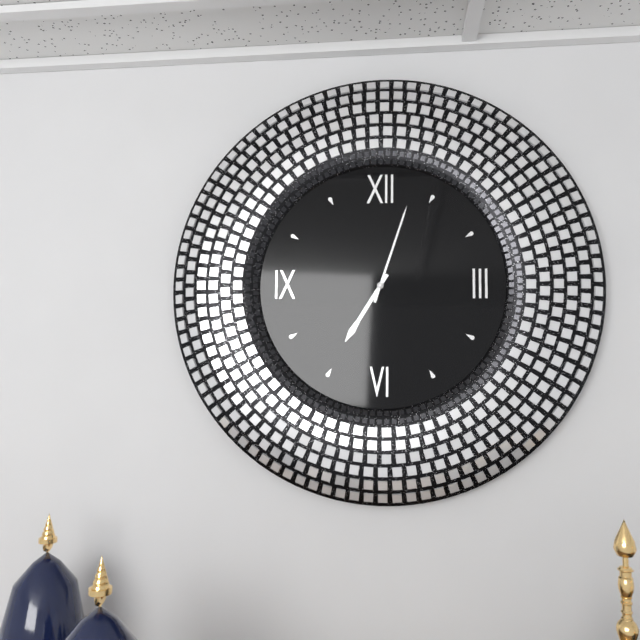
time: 7:03
